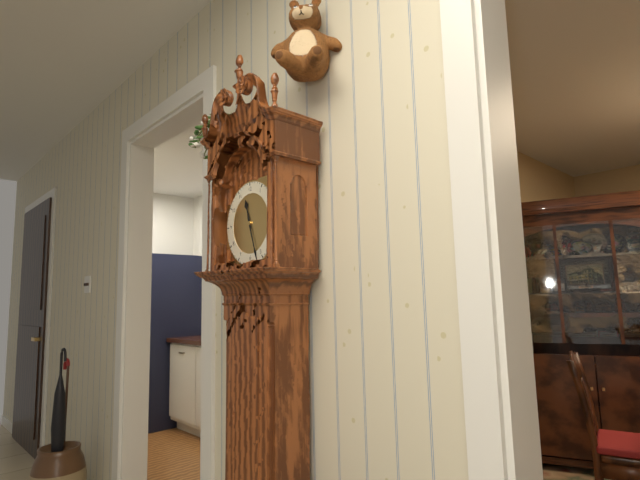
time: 11:27
